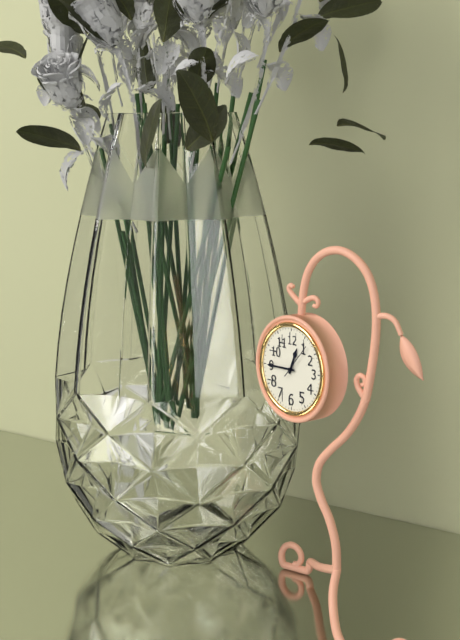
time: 12:45
